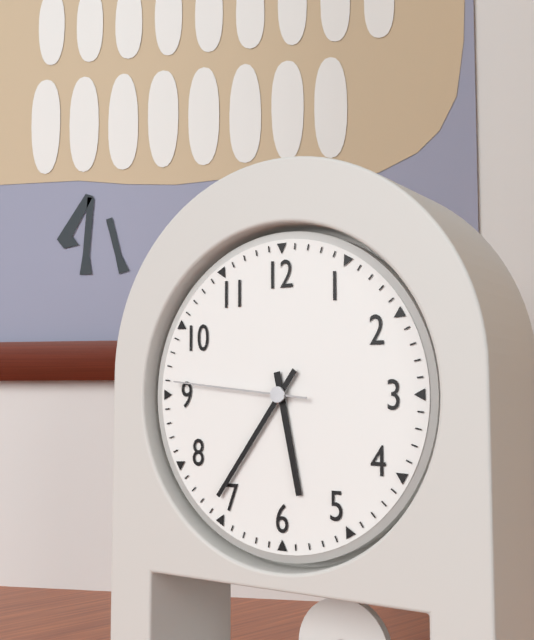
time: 5:36:46
